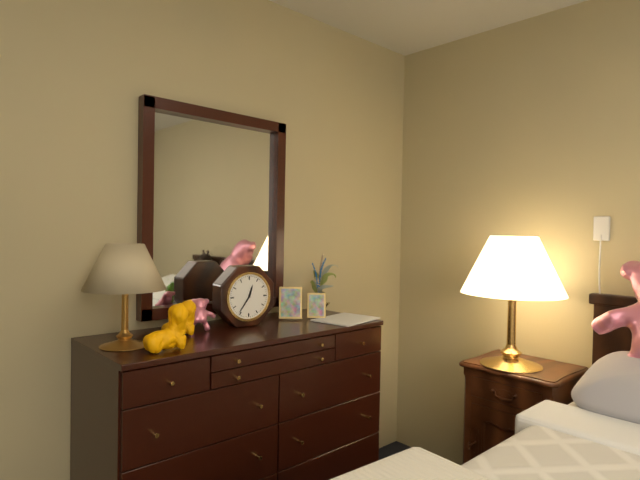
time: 12:36
